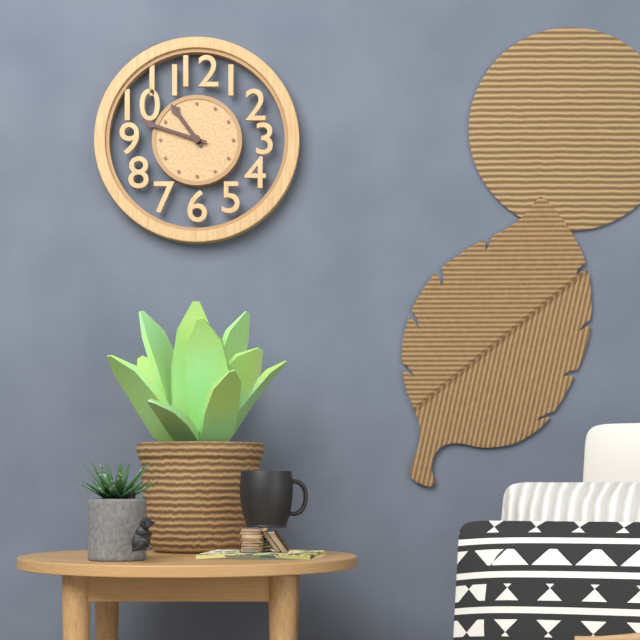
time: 10:48
